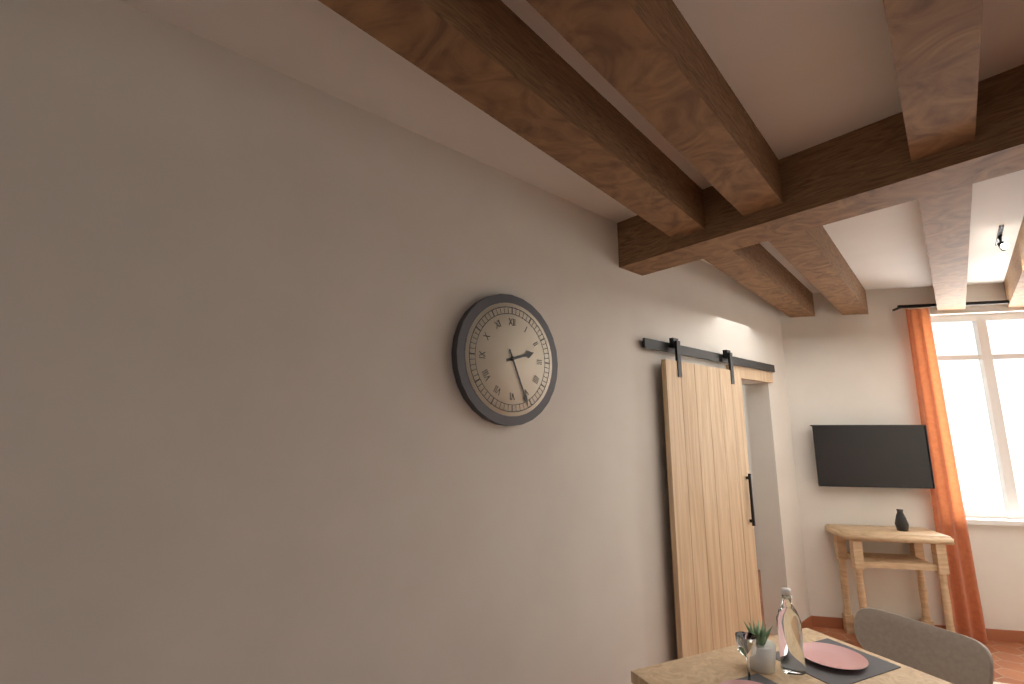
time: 2:26
